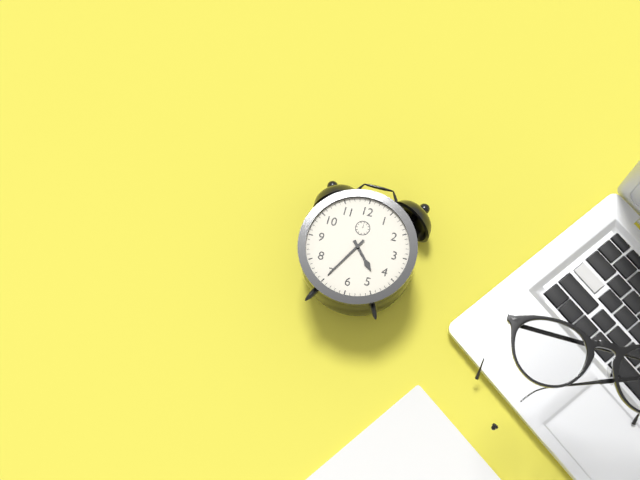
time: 4:35
